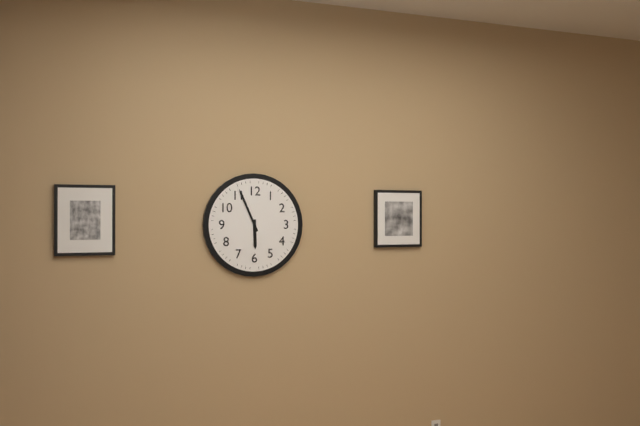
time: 5:56
